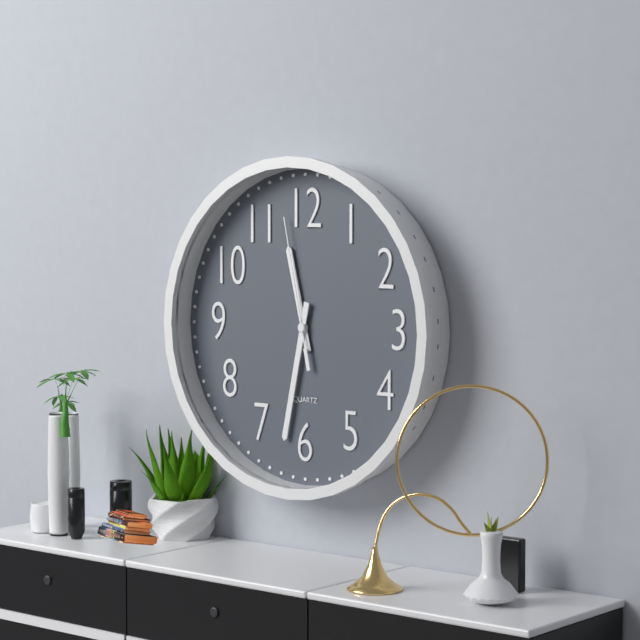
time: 11:32:58
